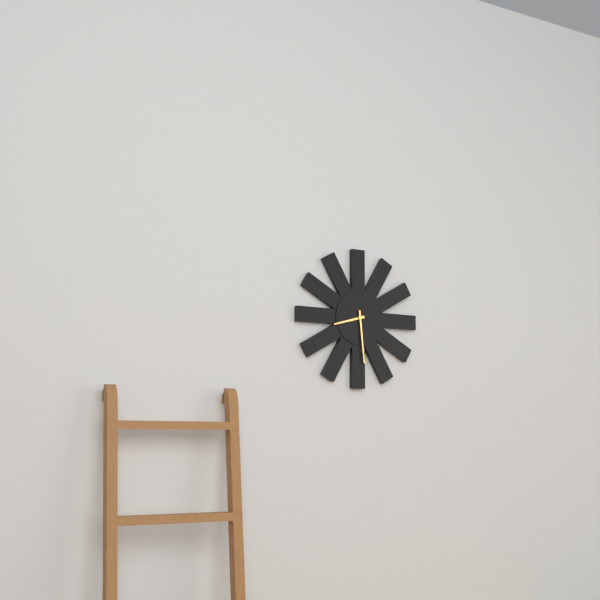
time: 8:29
